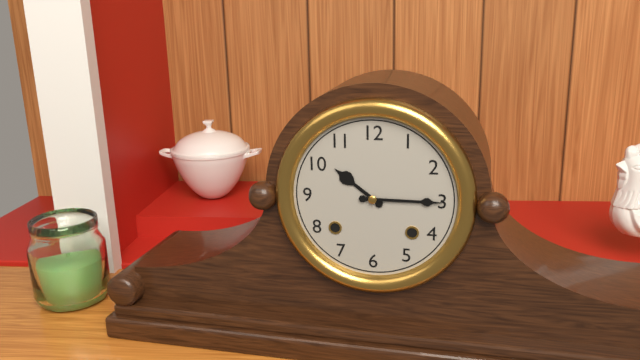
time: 10:15
